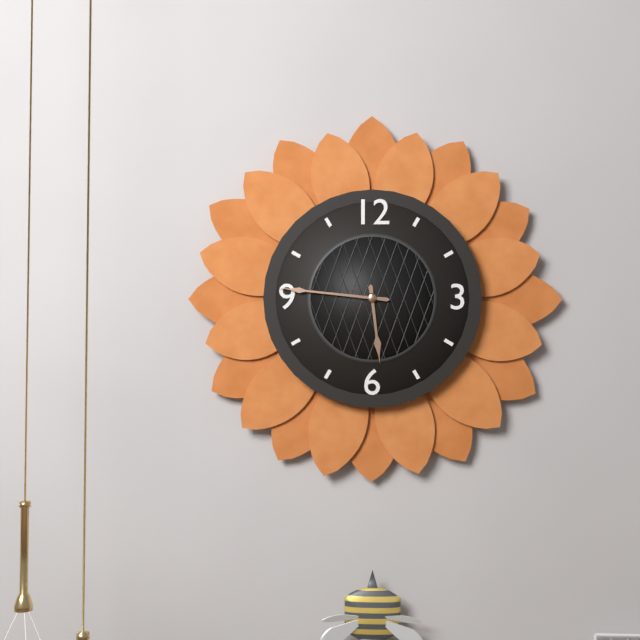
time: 5:46
